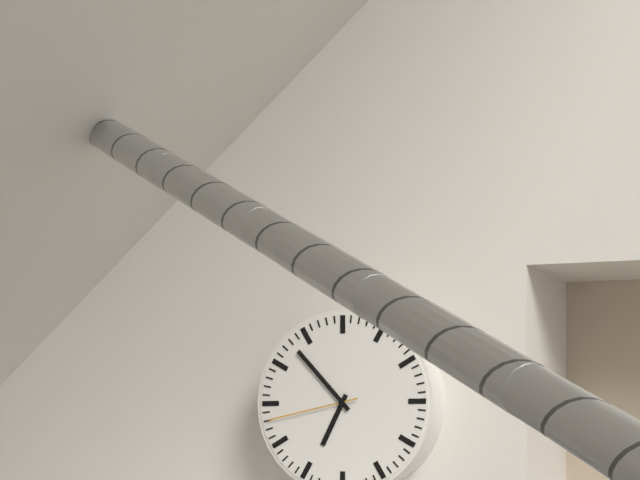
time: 6:53:43
